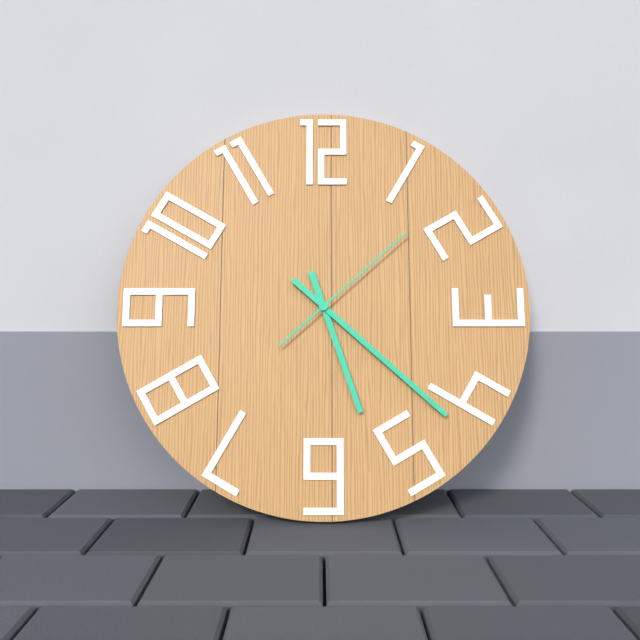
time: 5:22:08
